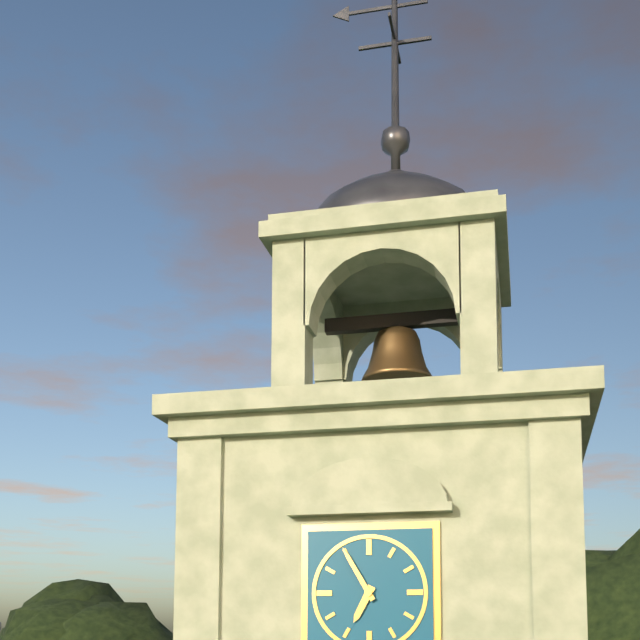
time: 6:55
